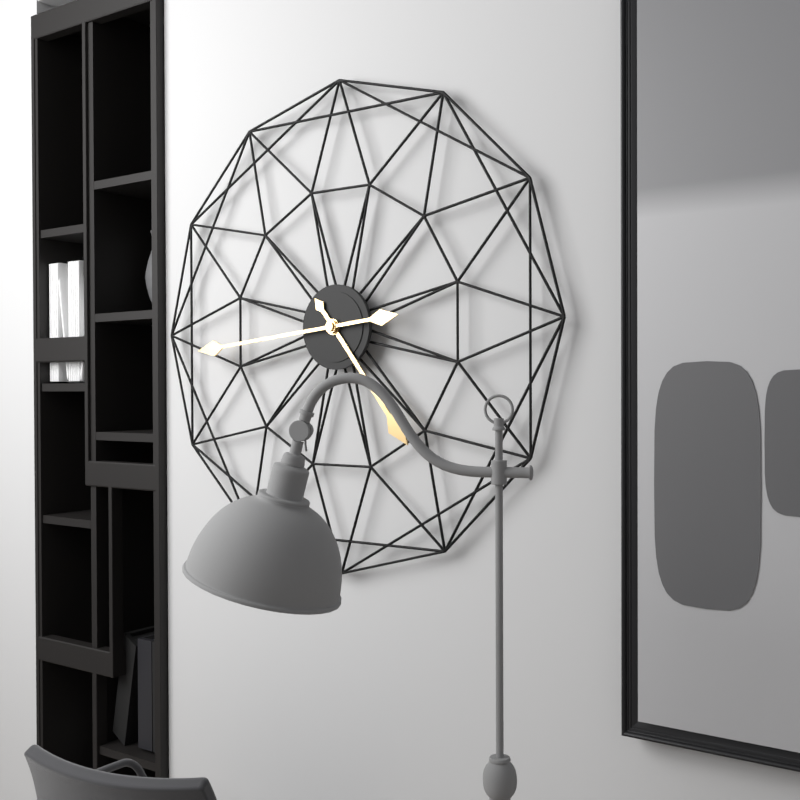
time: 4:44
